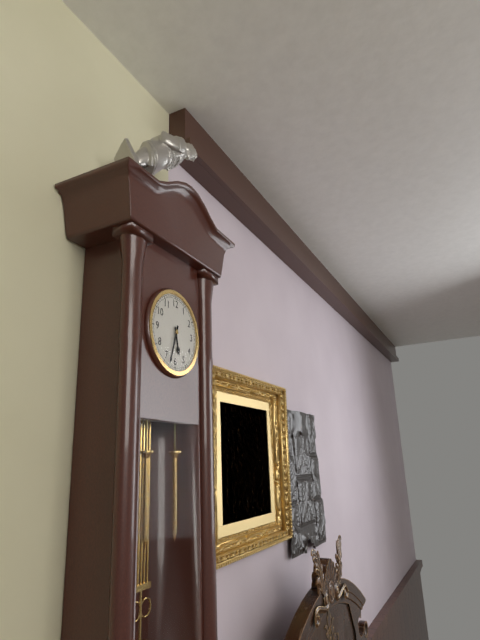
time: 5:33
